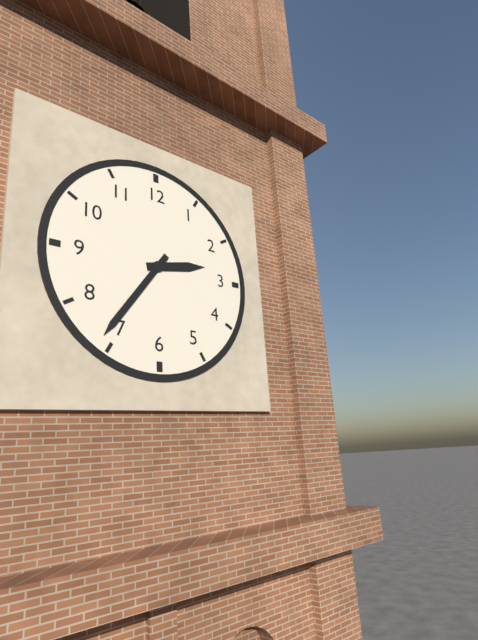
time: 2:36
